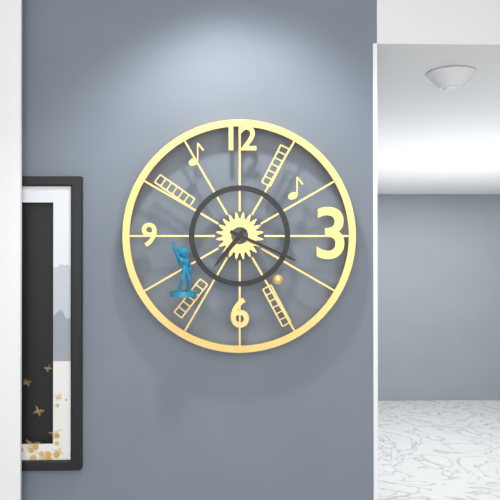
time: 7:19
